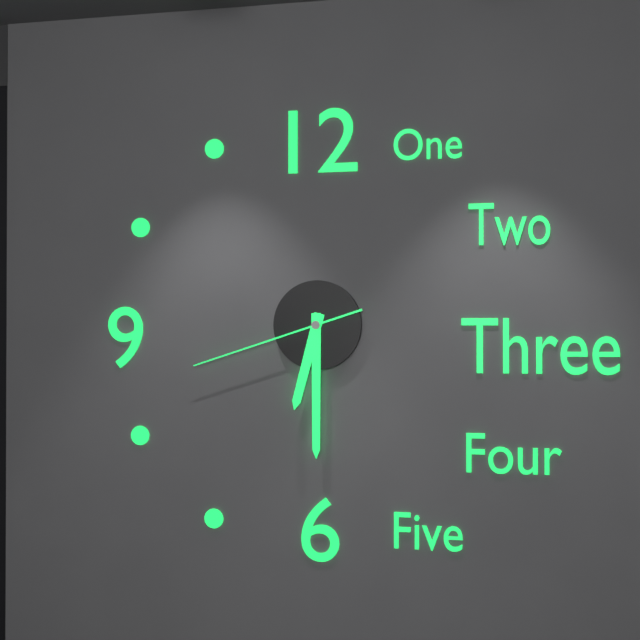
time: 6:30:42
